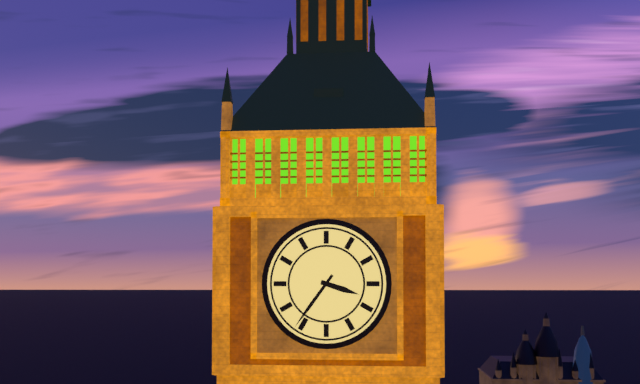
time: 3:36
